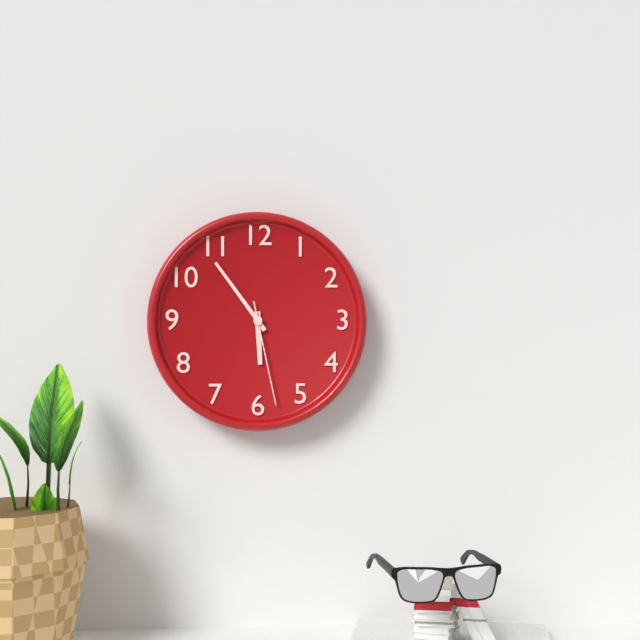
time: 5:54:28
